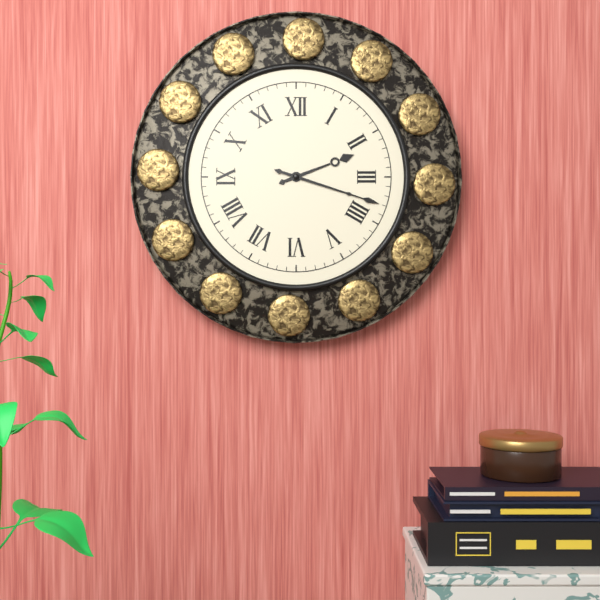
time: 2:18
